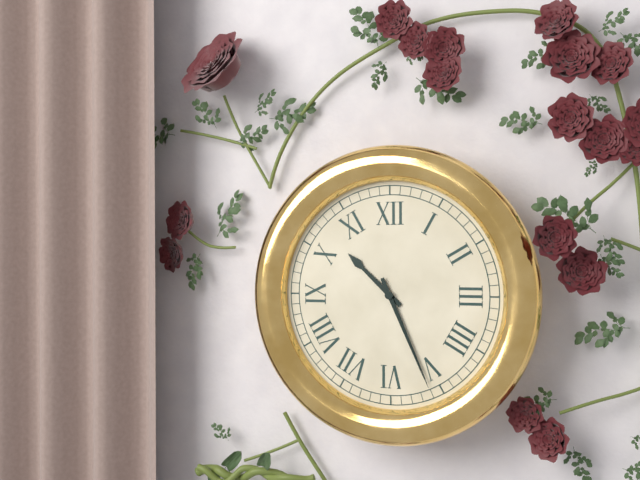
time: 10:26
